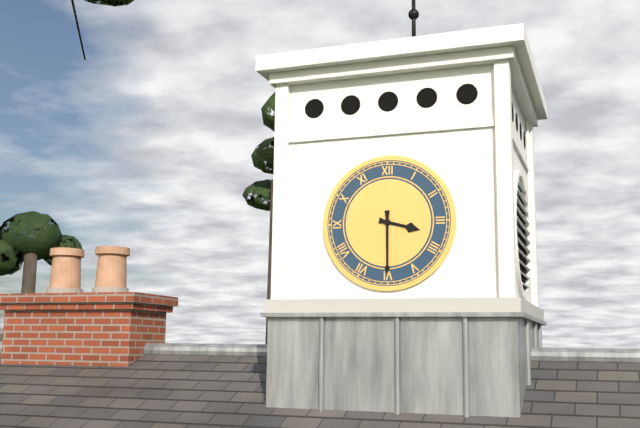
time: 3:30
